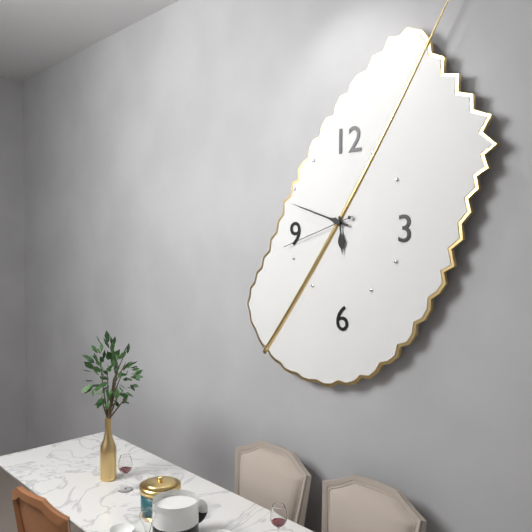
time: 5:48:42
